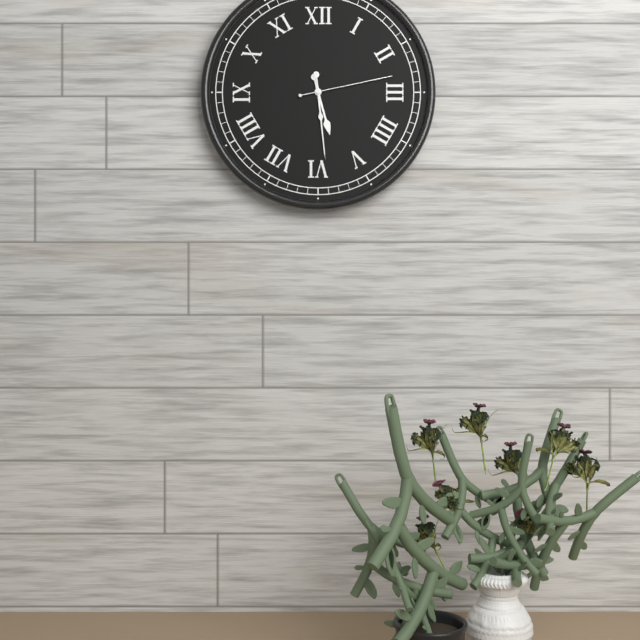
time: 5:29:13
